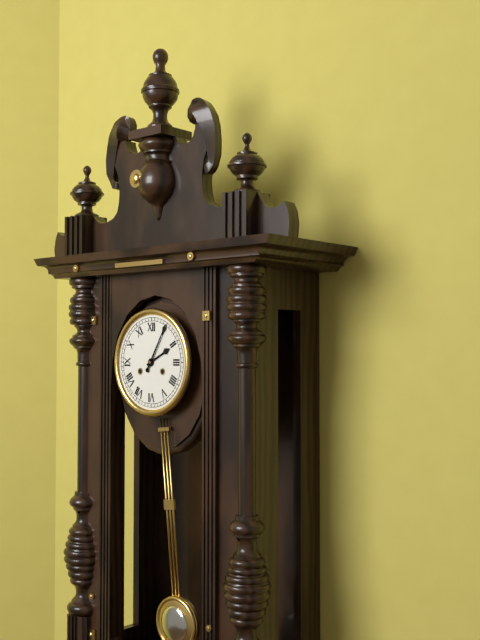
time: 2:05
